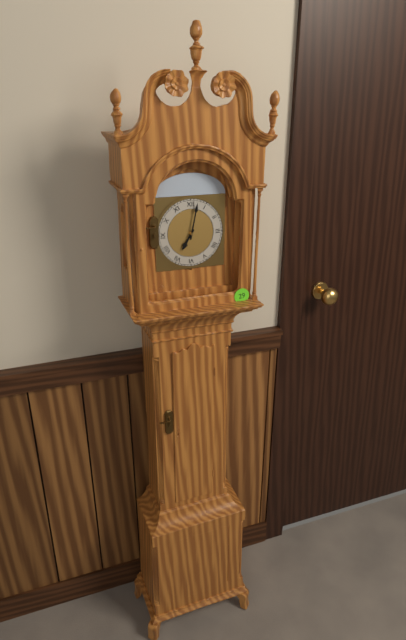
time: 7:02
